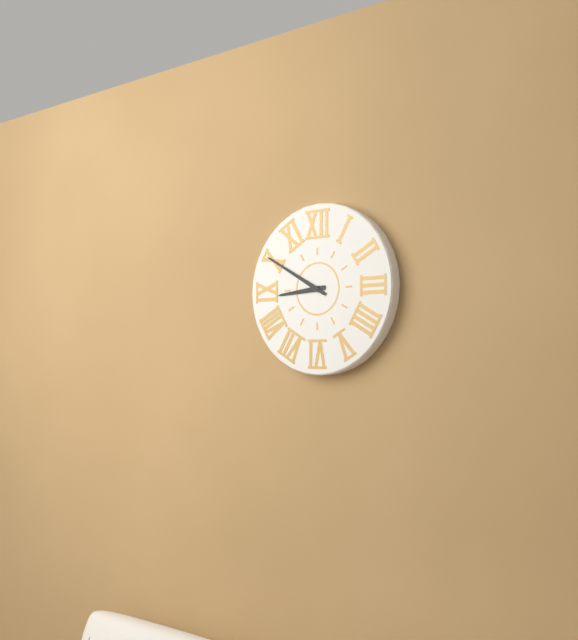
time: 8:50
